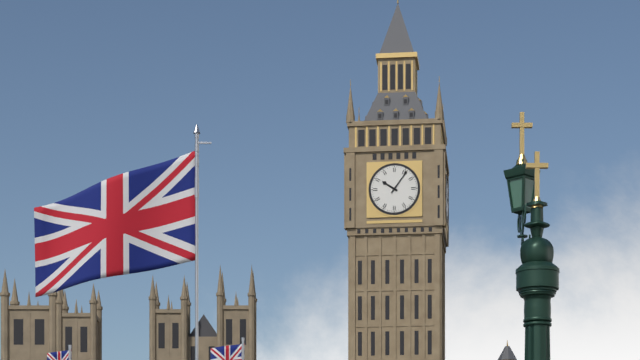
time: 10:06
